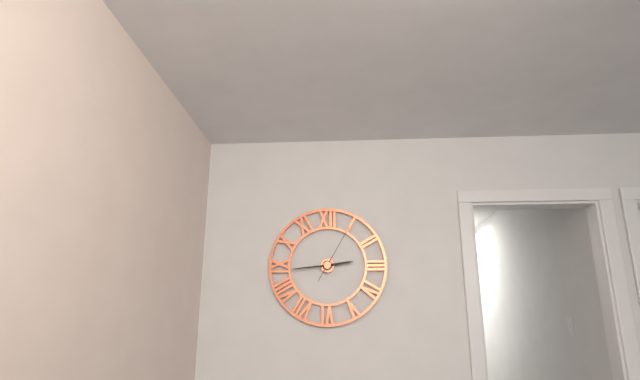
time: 2:44:05
